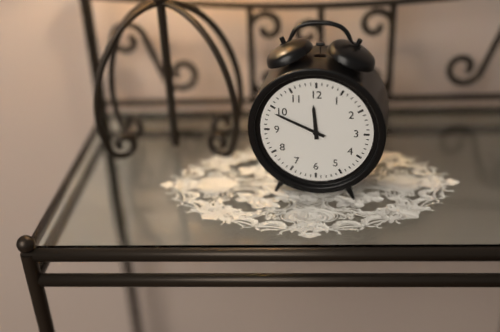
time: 11:49
